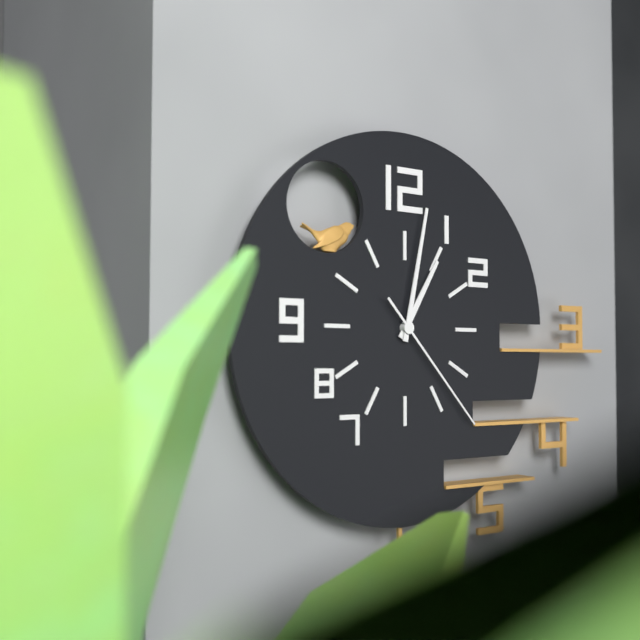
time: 1:02:23
